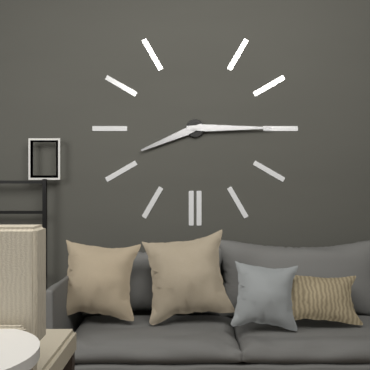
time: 8:15
